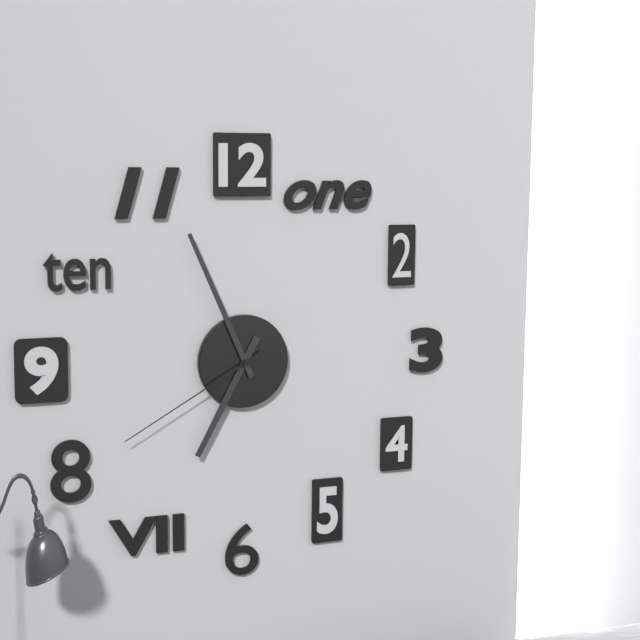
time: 6:56:40
